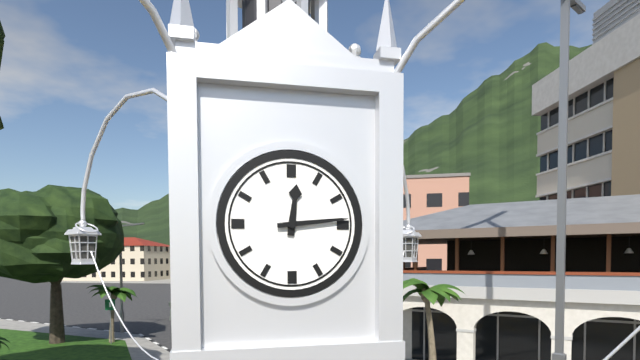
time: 12:14
